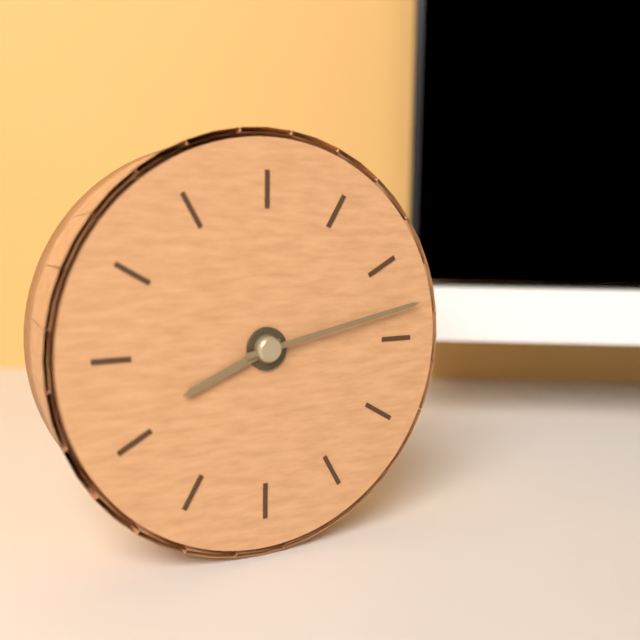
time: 8:13
